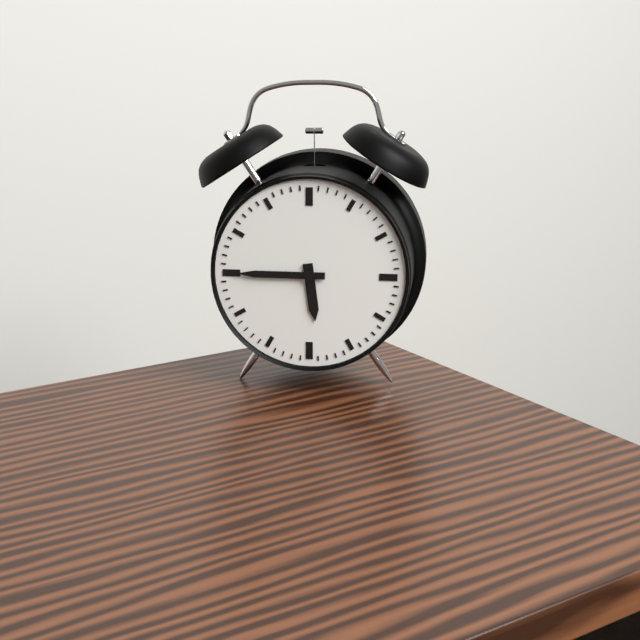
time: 5:45
